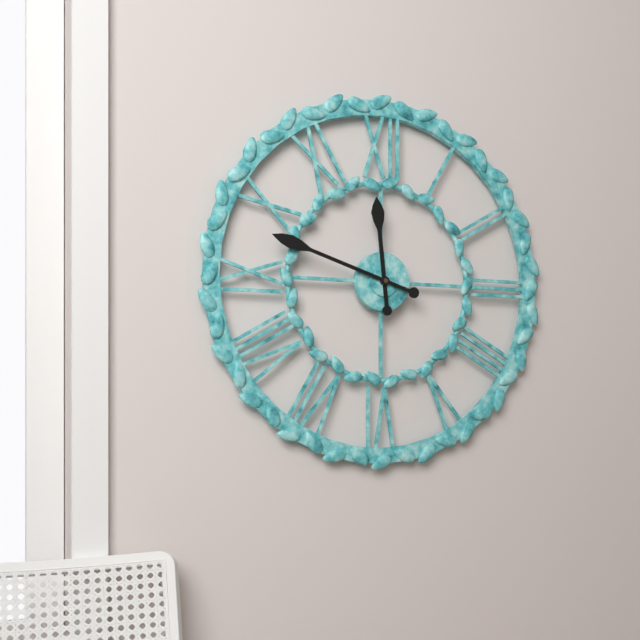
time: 11:48
